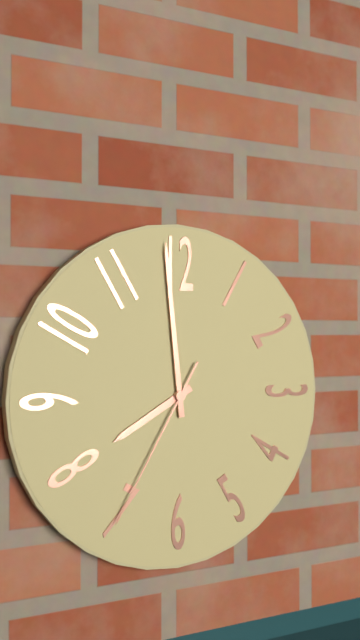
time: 7:59:35
